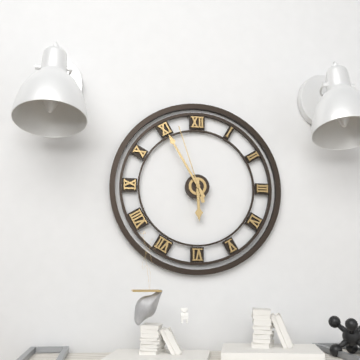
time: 5:55:57
